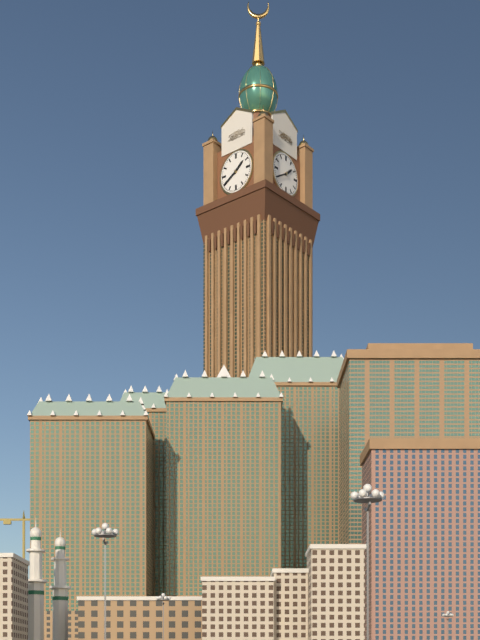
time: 1:40
